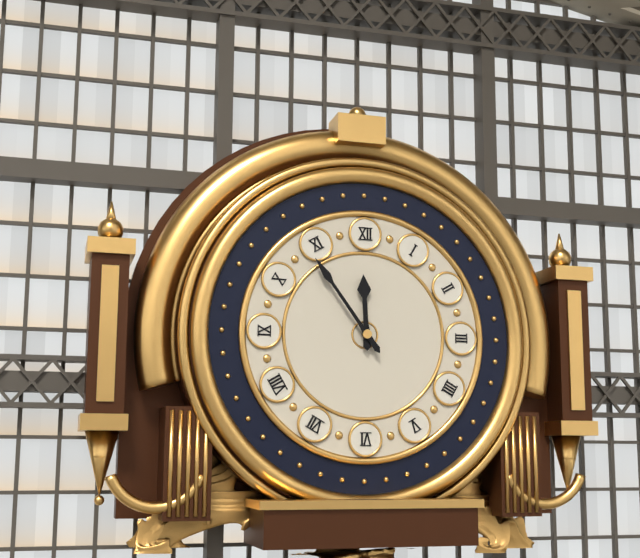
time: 11:54
